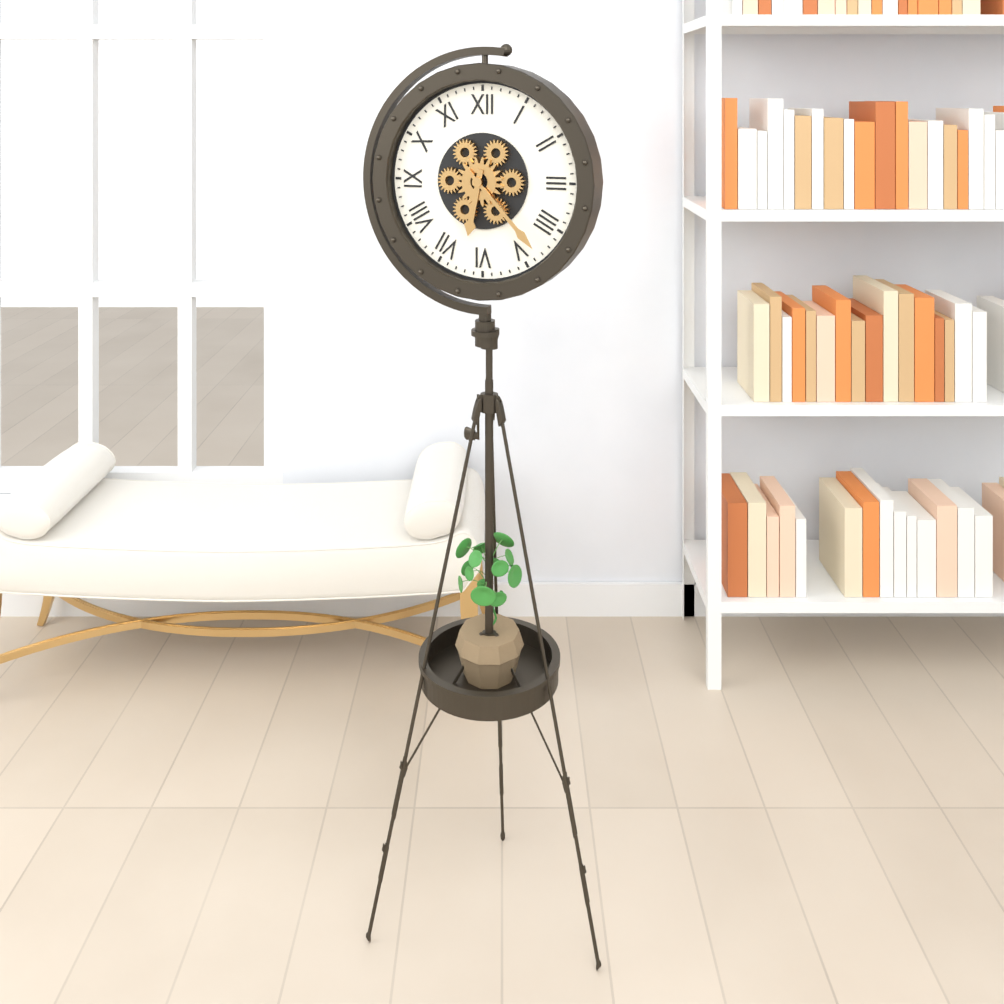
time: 6:23
